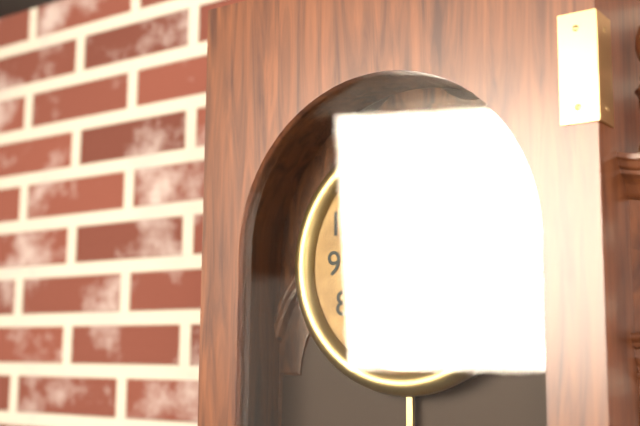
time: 10:05
